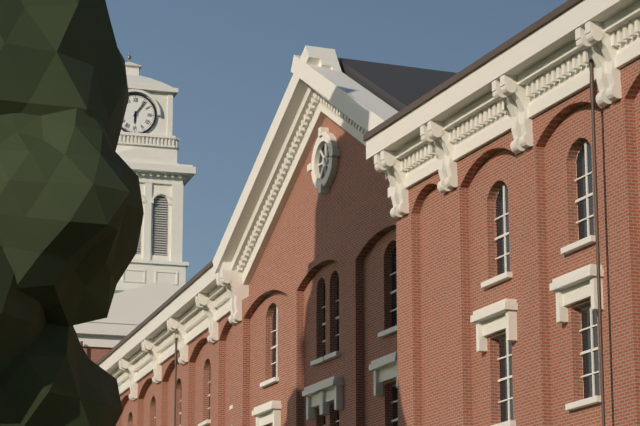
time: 6:06
